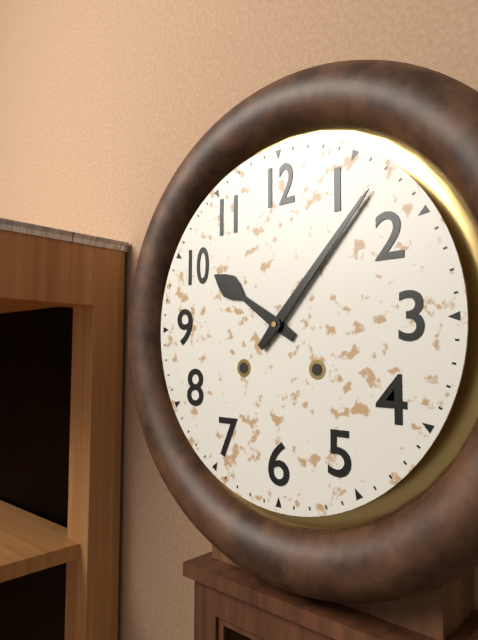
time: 10:07
